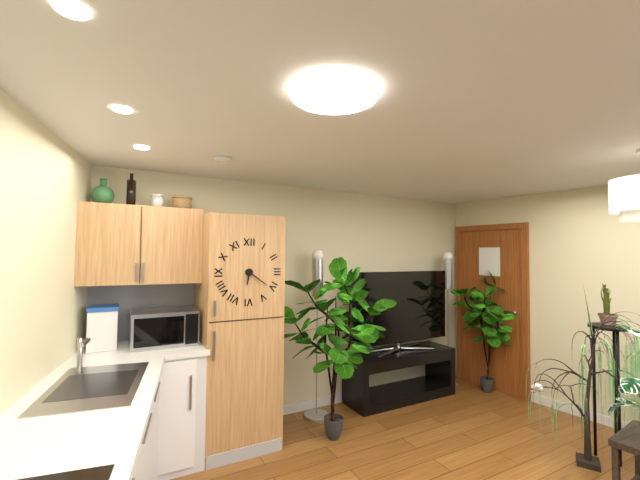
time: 6:21
